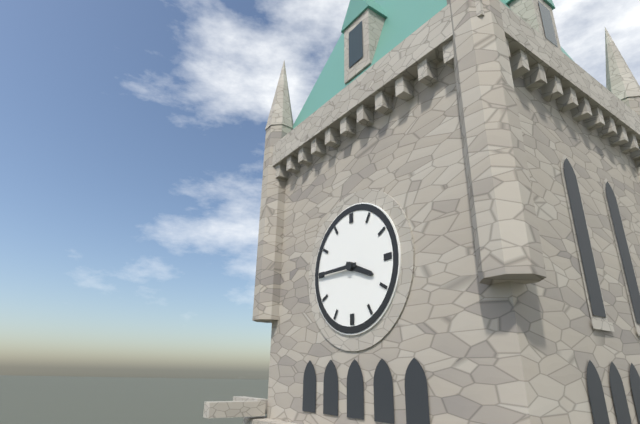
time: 3:45
